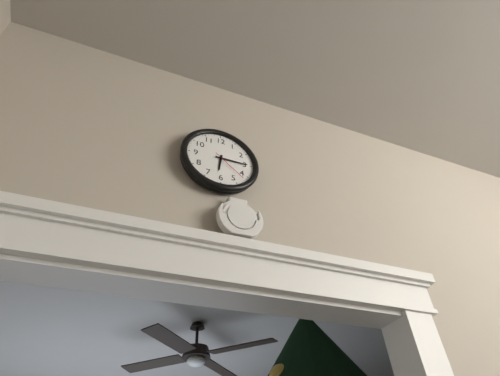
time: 6:15
